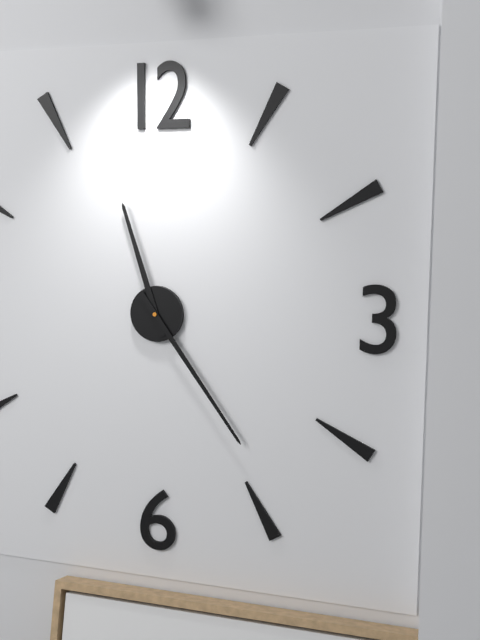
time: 11:24
